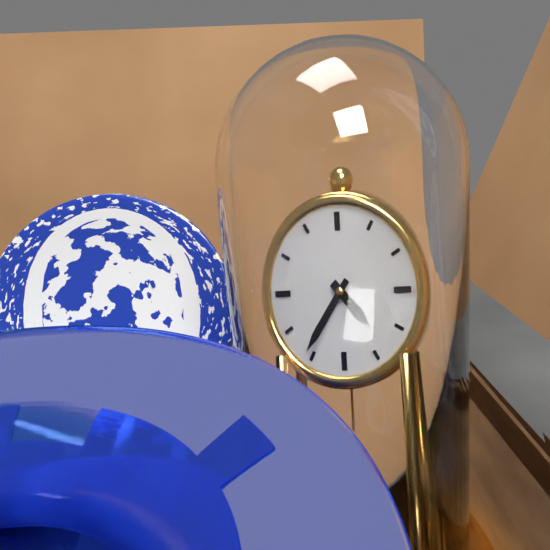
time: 4:36
